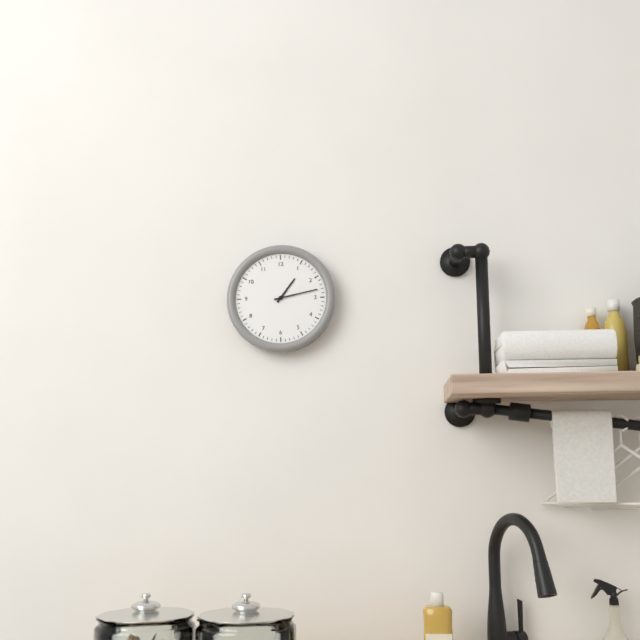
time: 1:13
